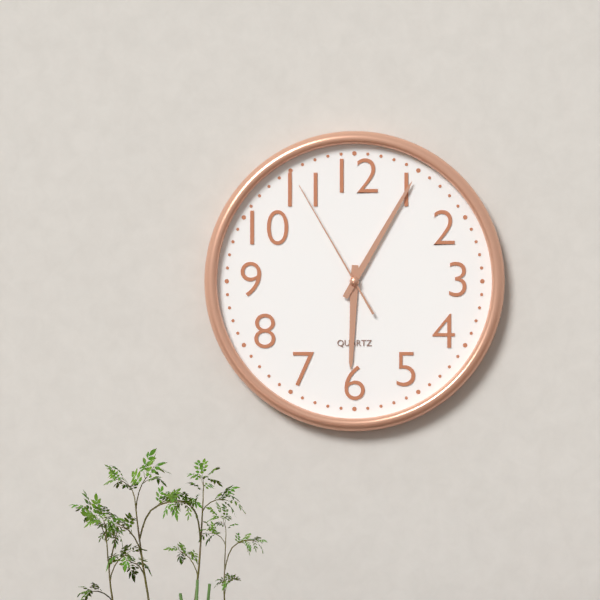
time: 6:05:55
